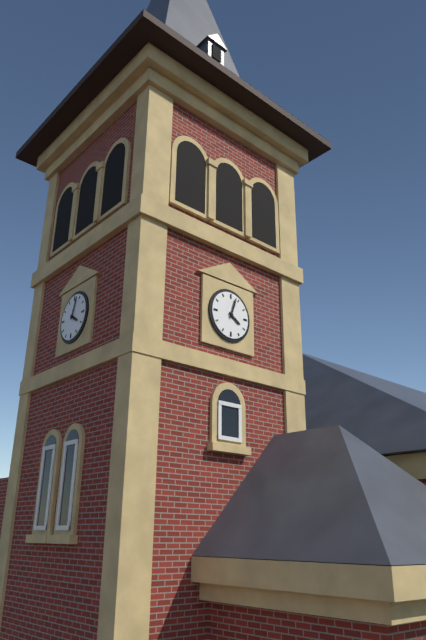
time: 4:03
